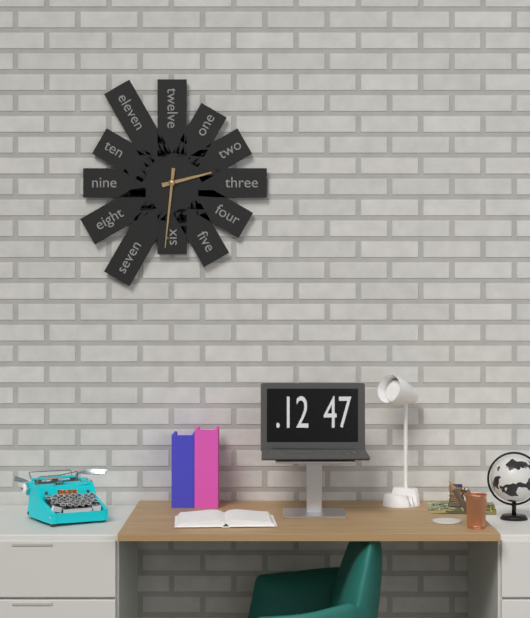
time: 2:31
